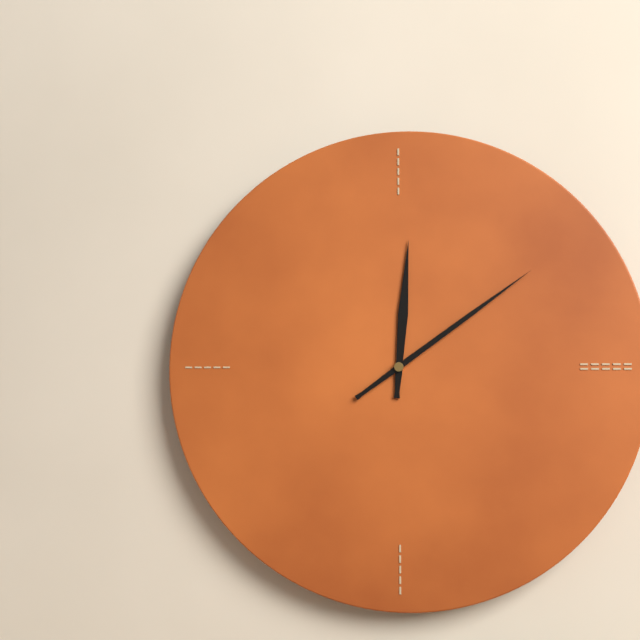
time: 12:09
